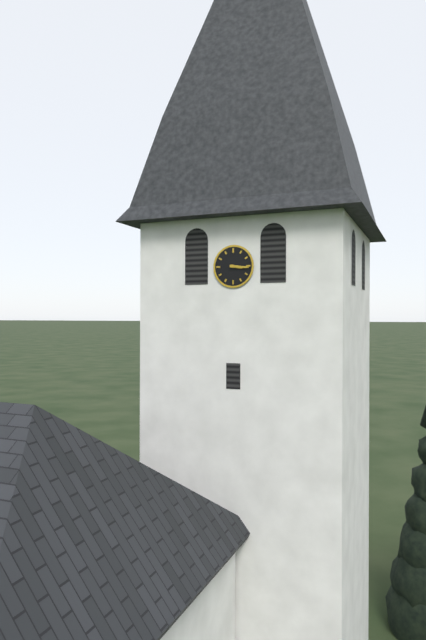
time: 3:16
